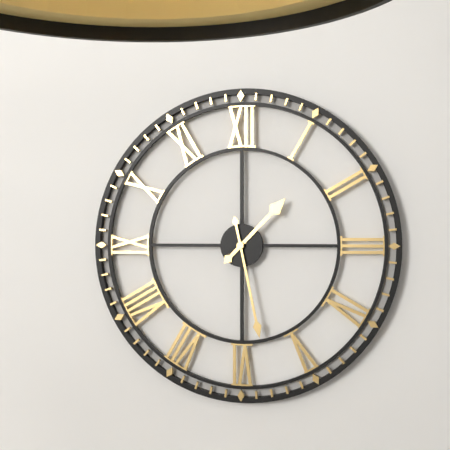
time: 1:28
